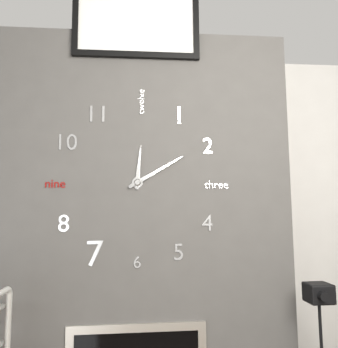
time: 12:10
